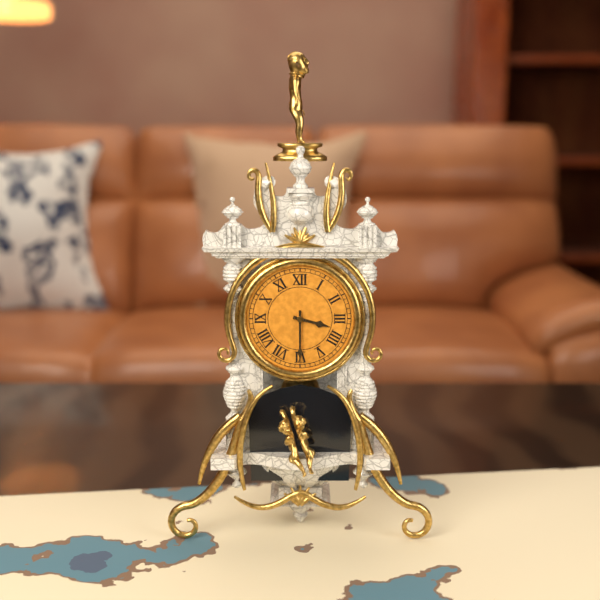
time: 3:30
